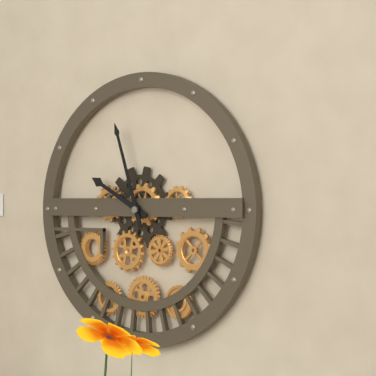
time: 9:57
